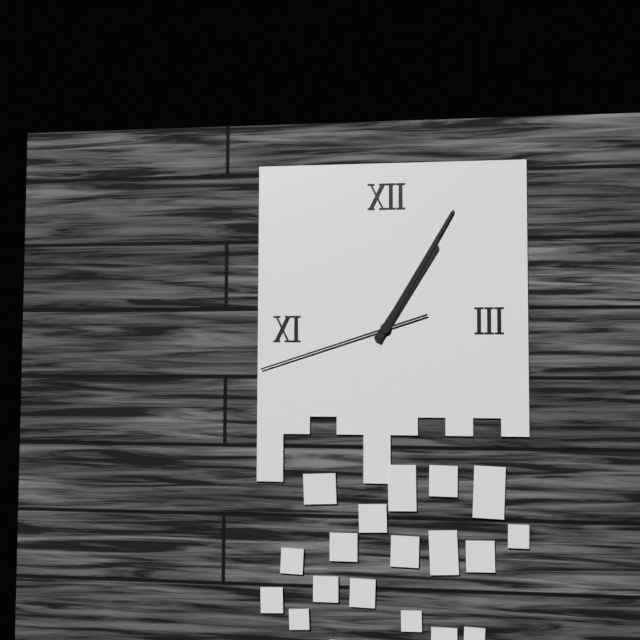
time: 1:05:42
